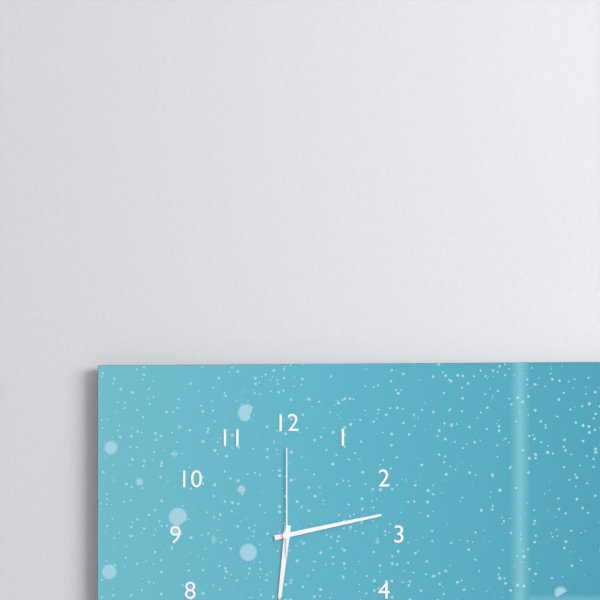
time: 6:13:00
